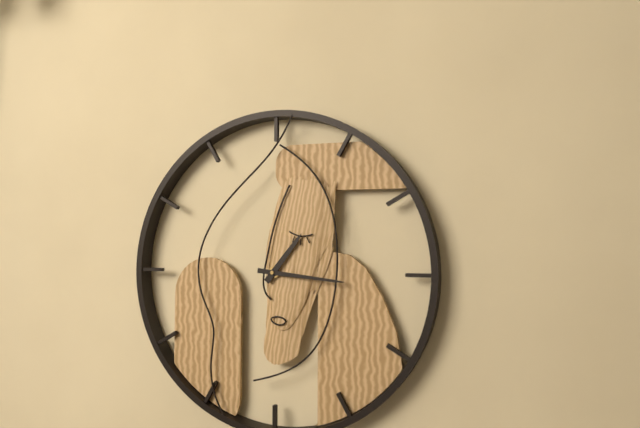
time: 1:16
